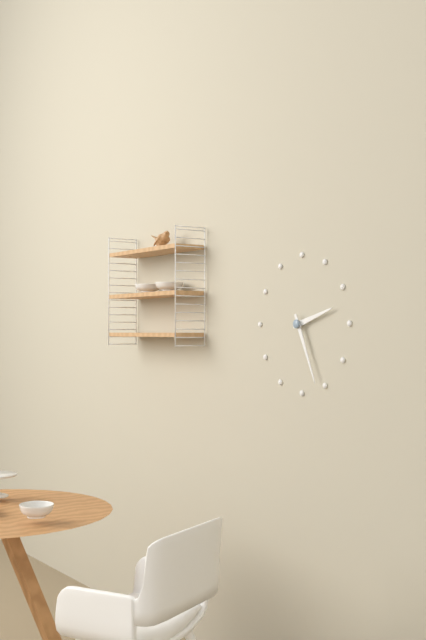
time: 2:26
